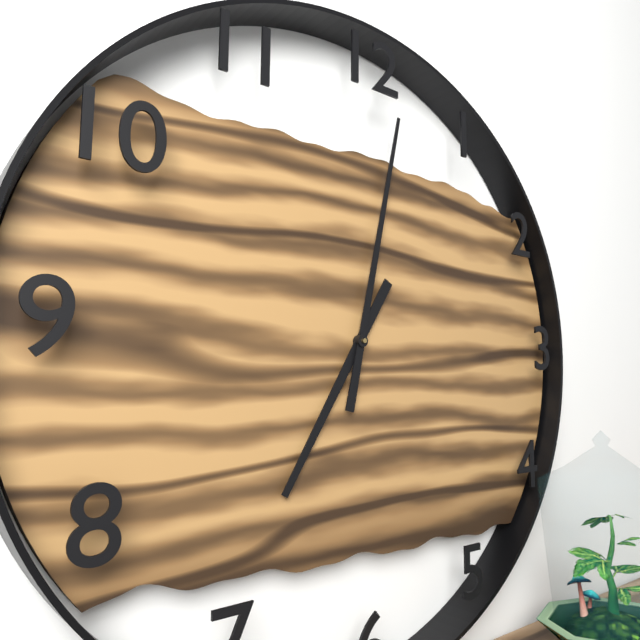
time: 7:02
